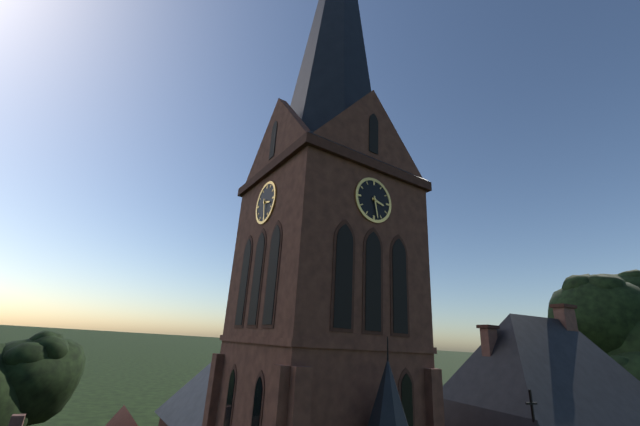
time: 3:28
